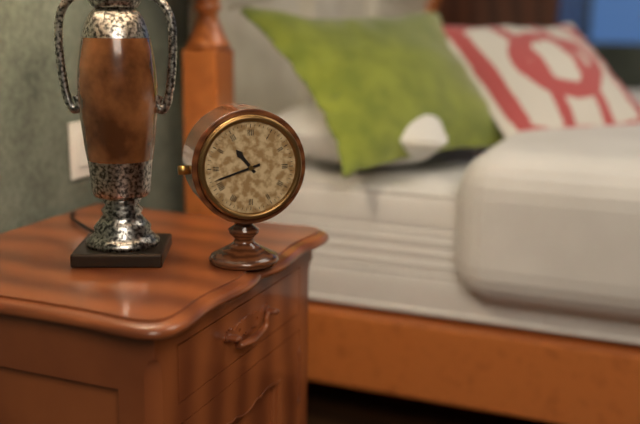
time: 10:42
